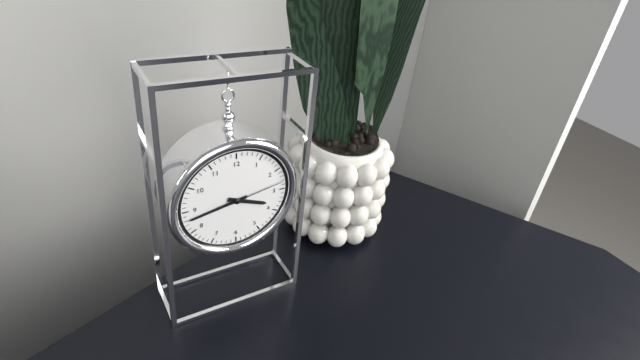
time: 3:43:13
